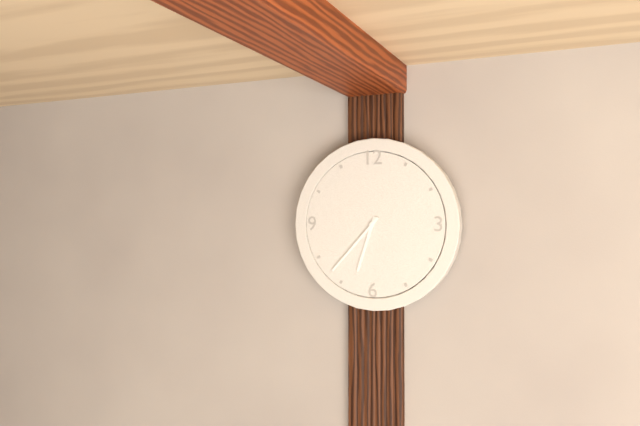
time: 6:37
